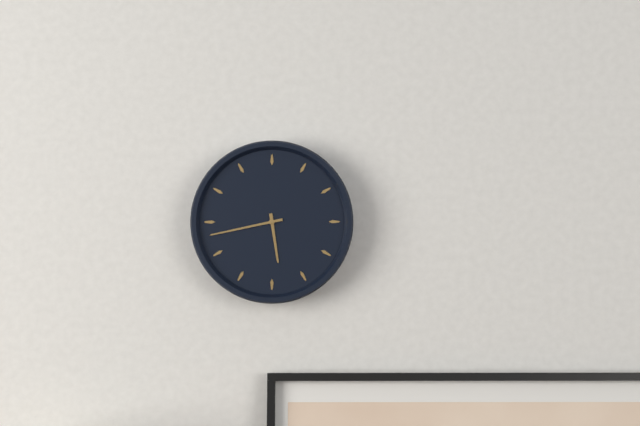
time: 5:43
